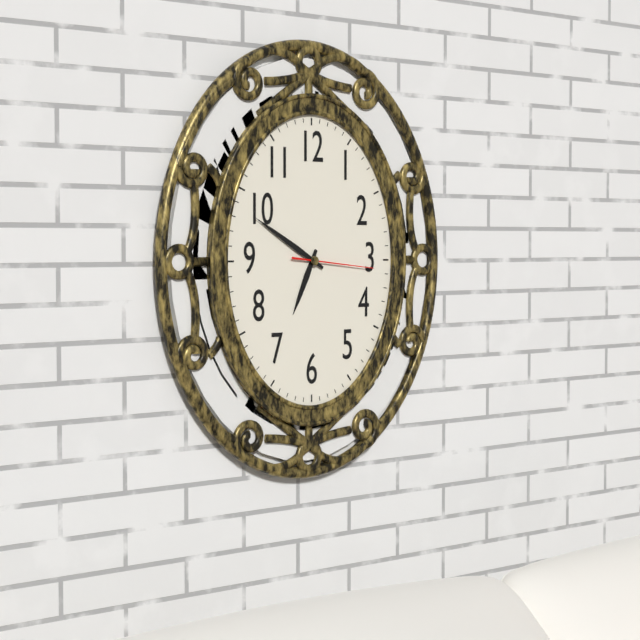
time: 6:50:16
